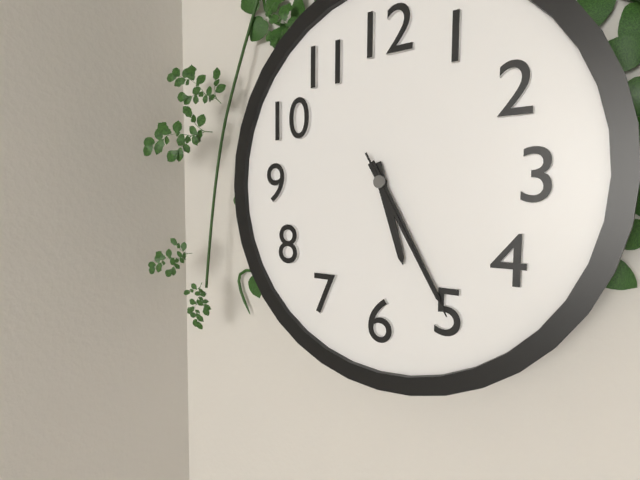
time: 5:25:25
